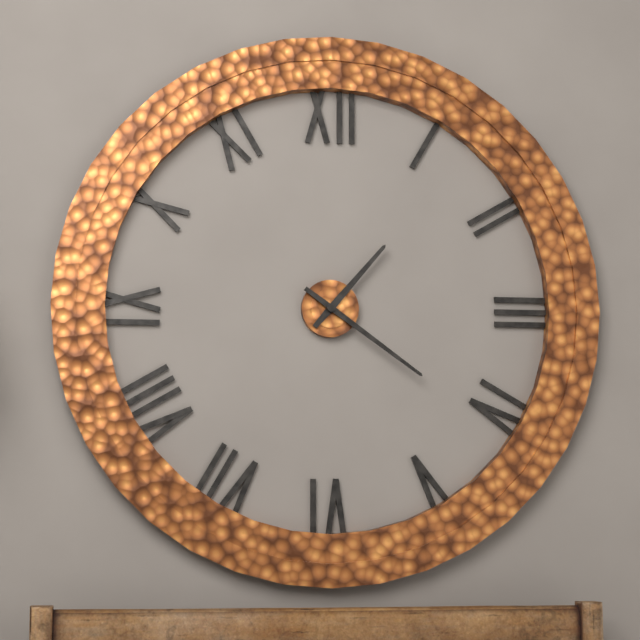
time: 1:21
